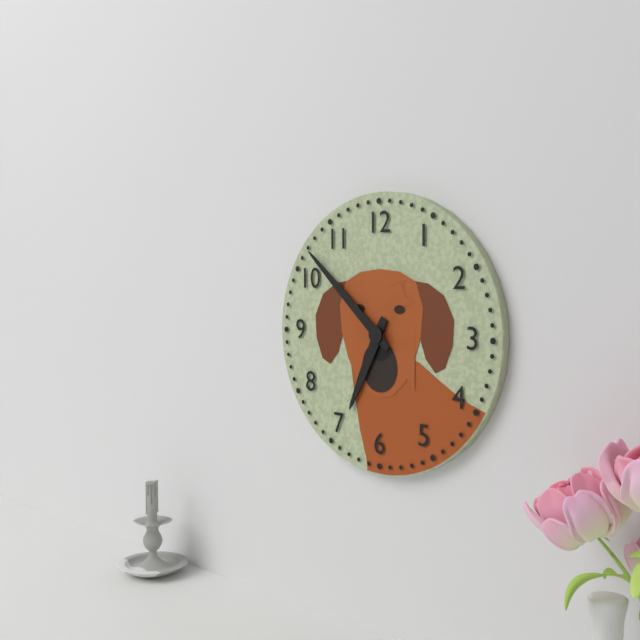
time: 6:52
